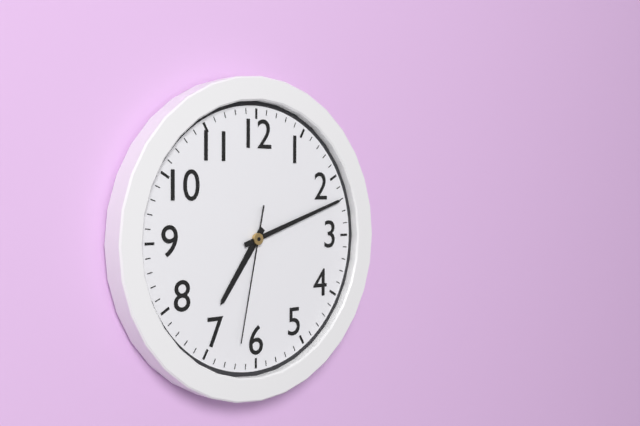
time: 7:12:32
